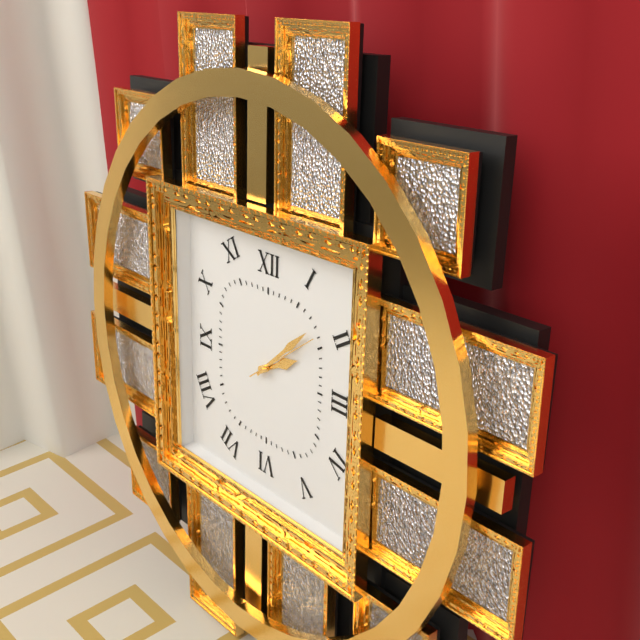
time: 2:08:09
